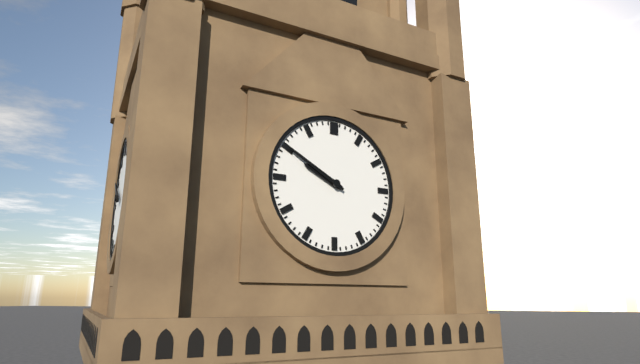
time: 9:50
